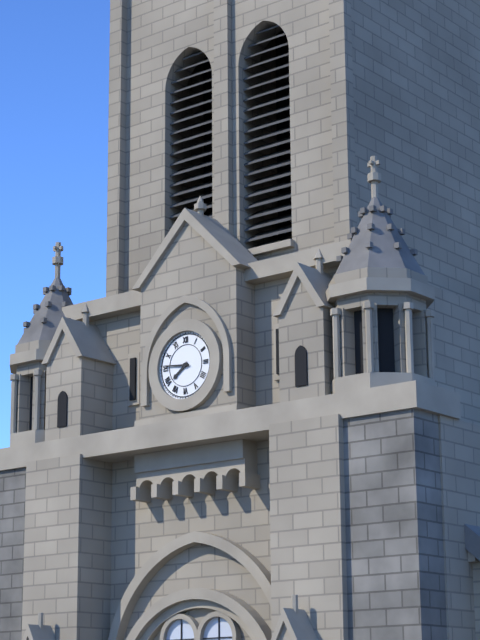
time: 7:46
